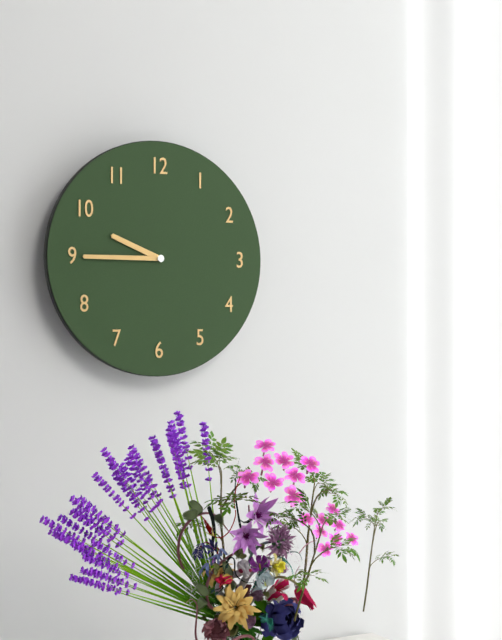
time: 9:45
